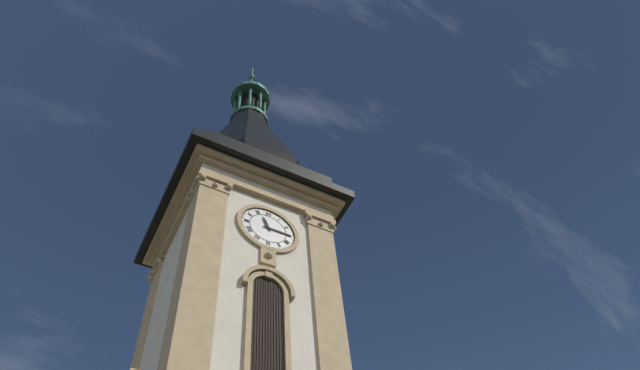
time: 11:15
